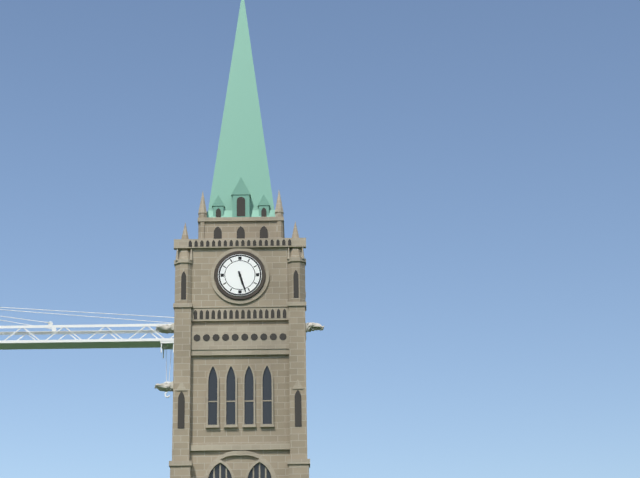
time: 5:27
